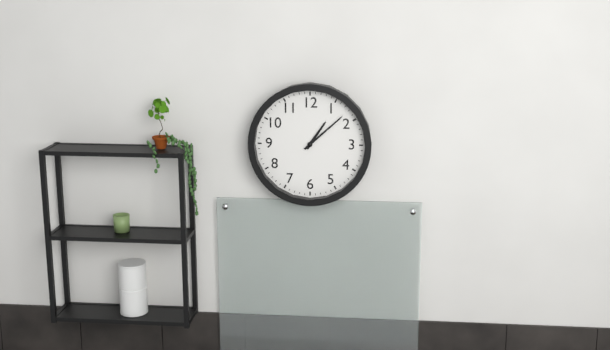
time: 1:08
